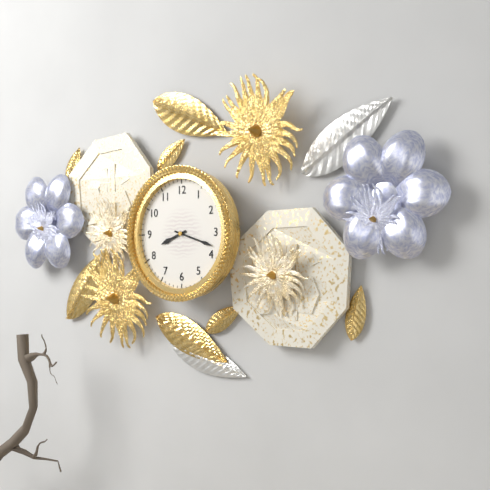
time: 8:18
